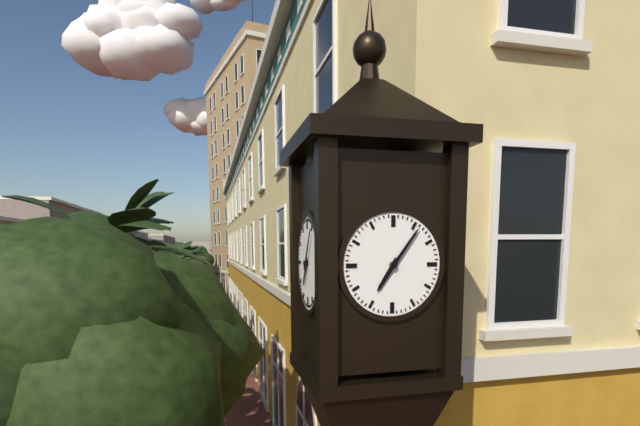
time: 7:06
